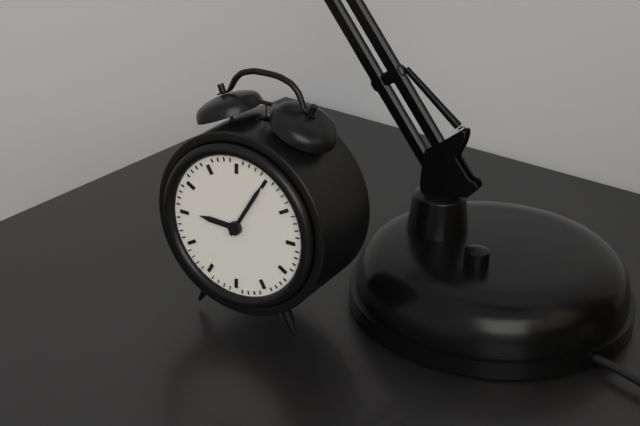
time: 9:05
